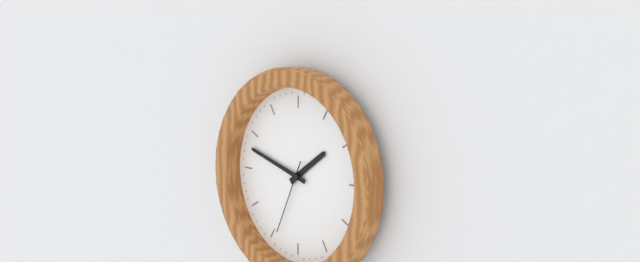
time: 1:48:34
